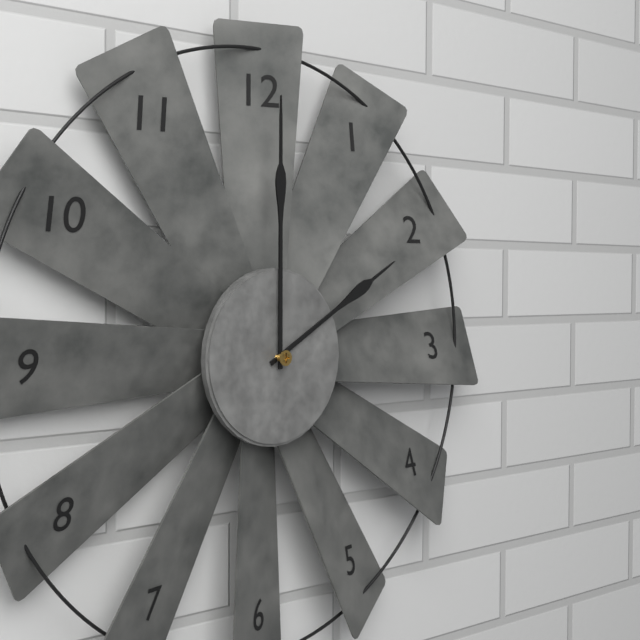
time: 2:00
